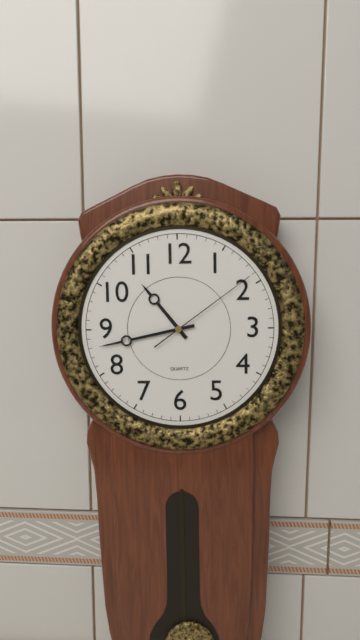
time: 10:43:09
